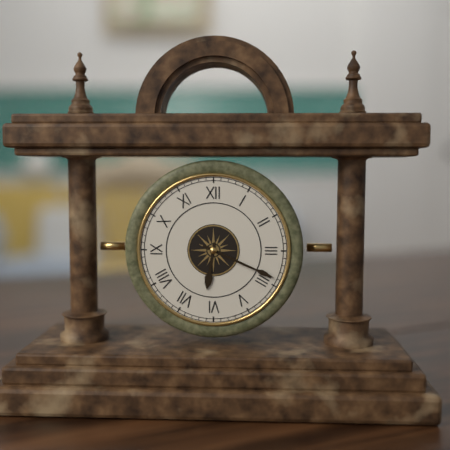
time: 6:19
